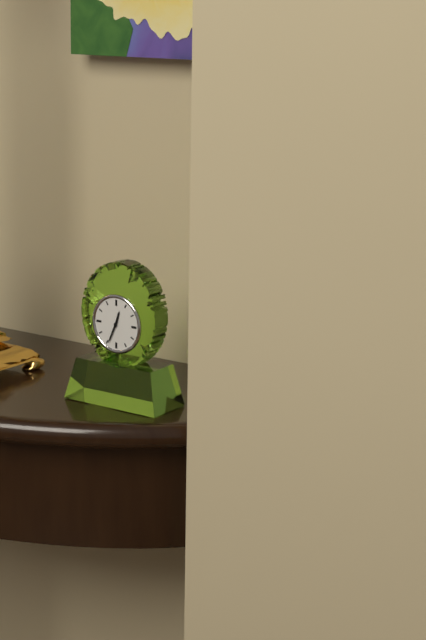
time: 12:34
